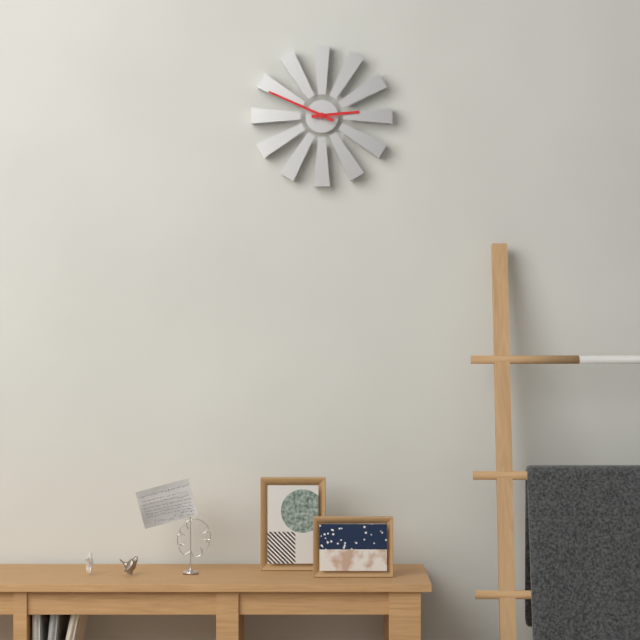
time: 2:49
